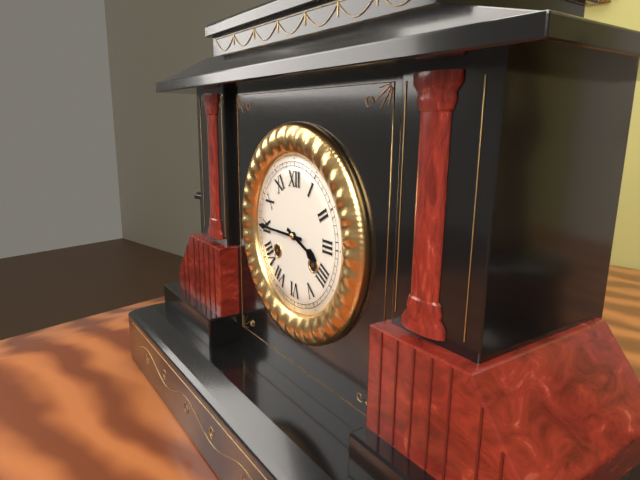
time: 3:45
